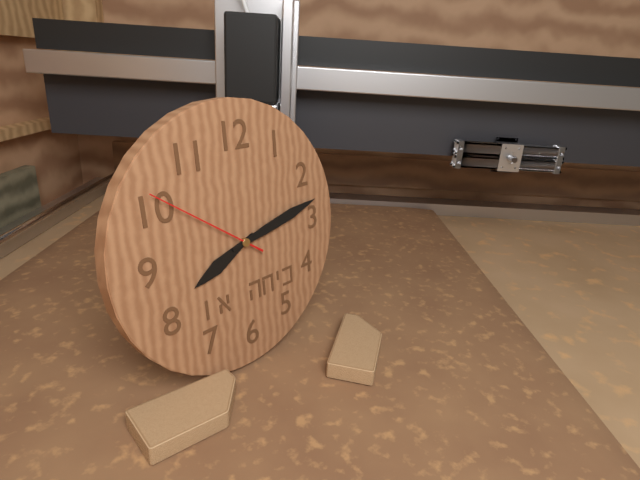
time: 8:13:51
